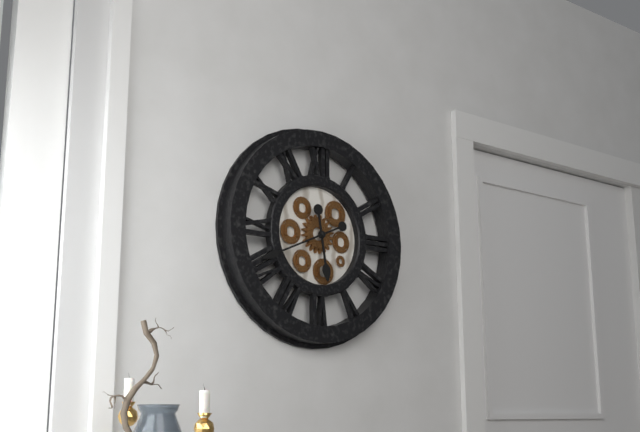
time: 5:41
